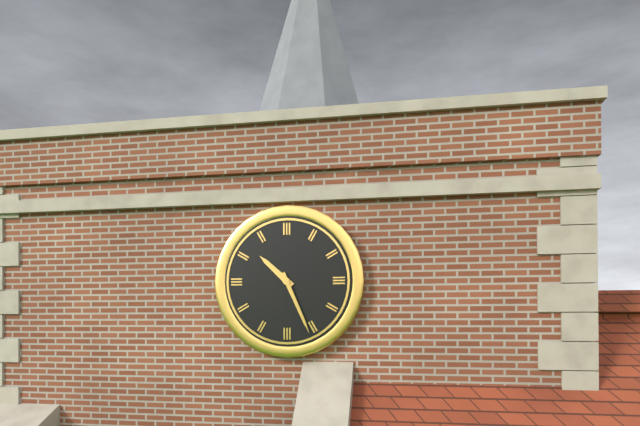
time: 10:26
